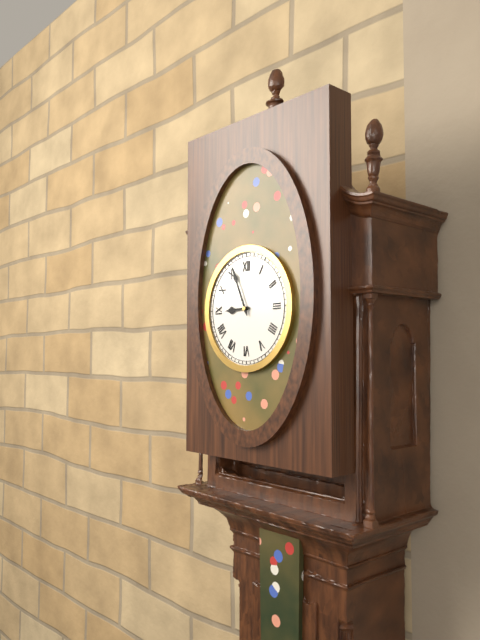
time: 8:56
